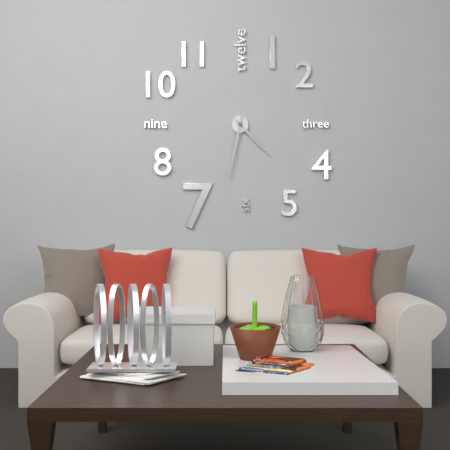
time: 4:32
